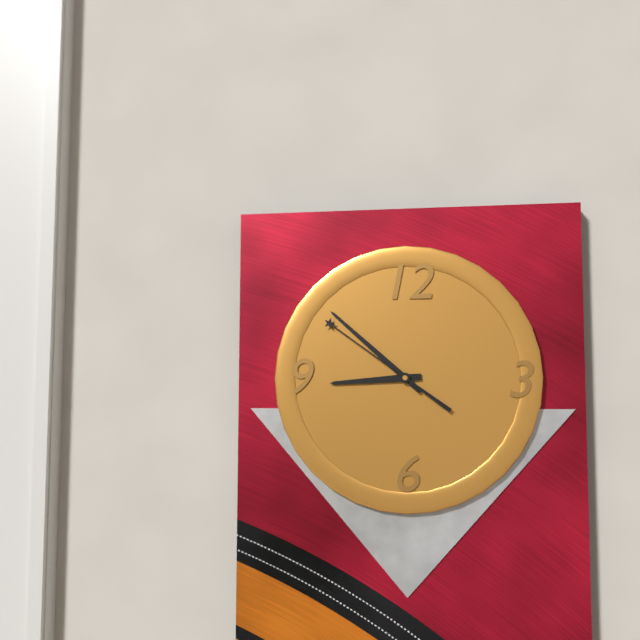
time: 8:52:51
